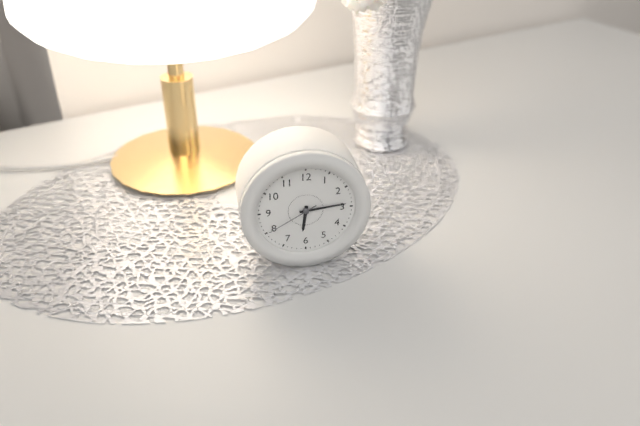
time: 6:14:40
